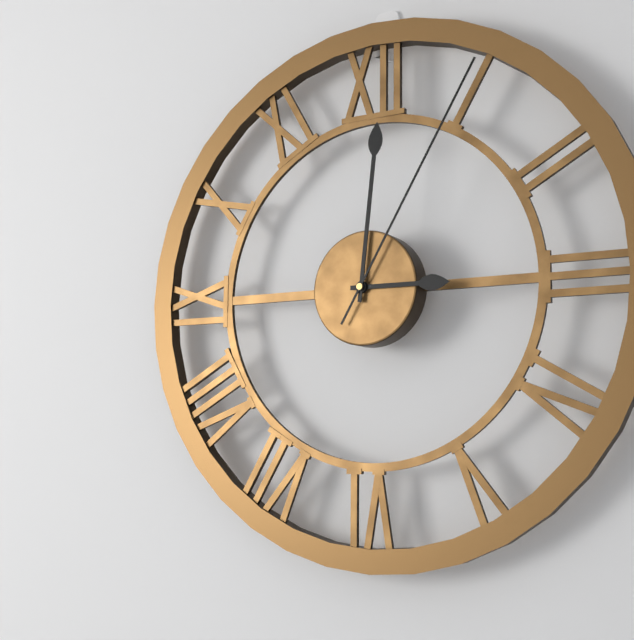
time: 3:01:05
